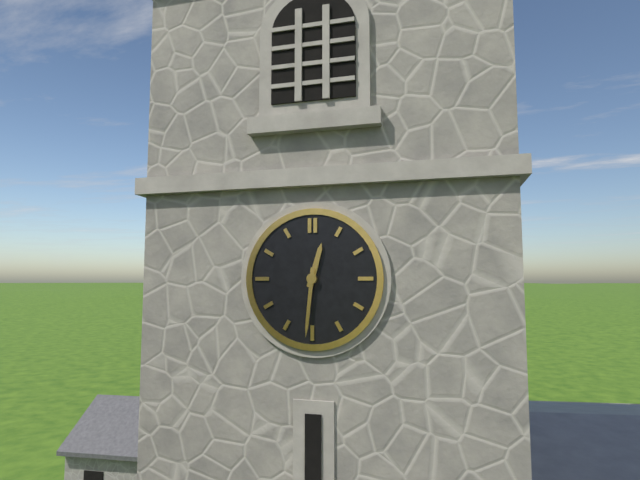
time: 12:31
